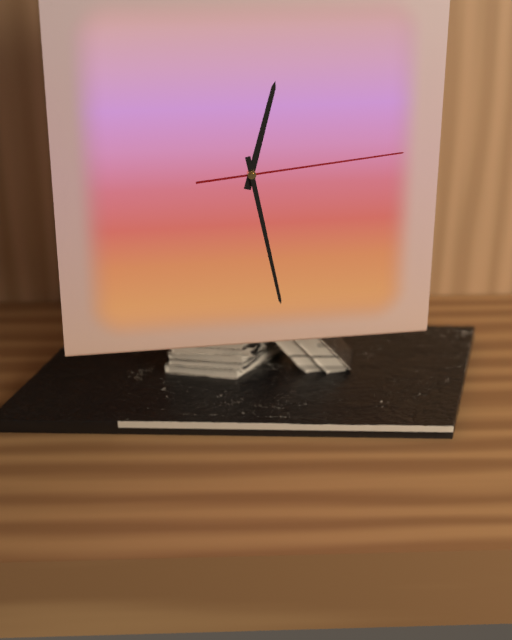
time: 12:28:14
